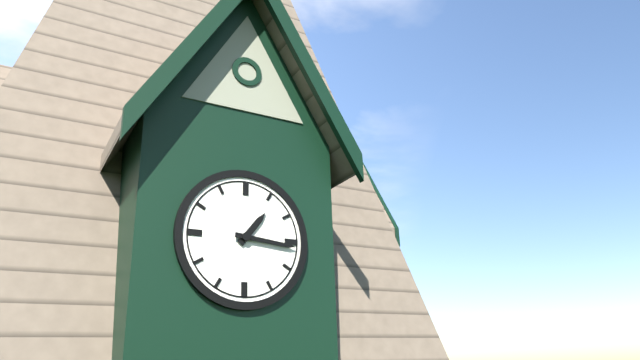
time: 1:16
